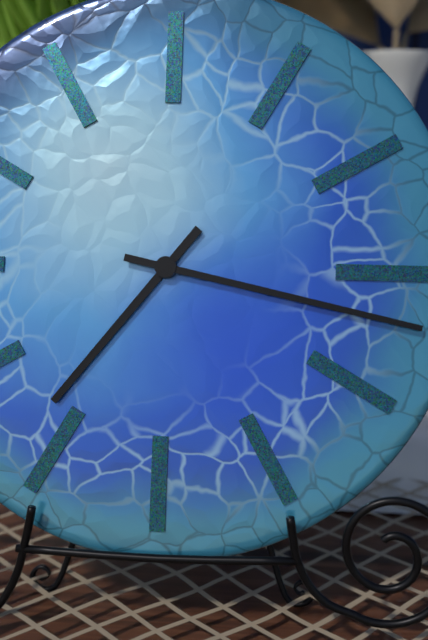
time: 7:17
